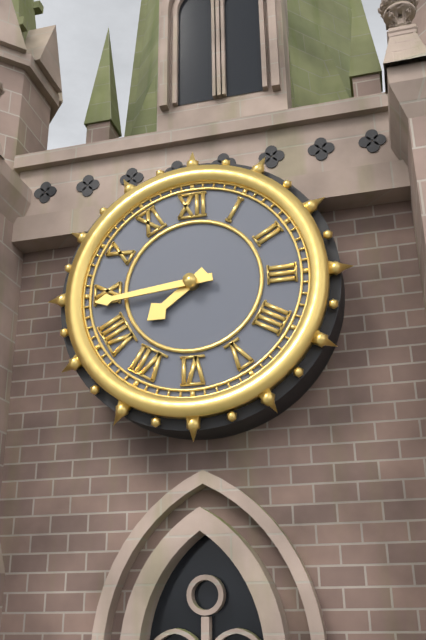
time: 7:44
